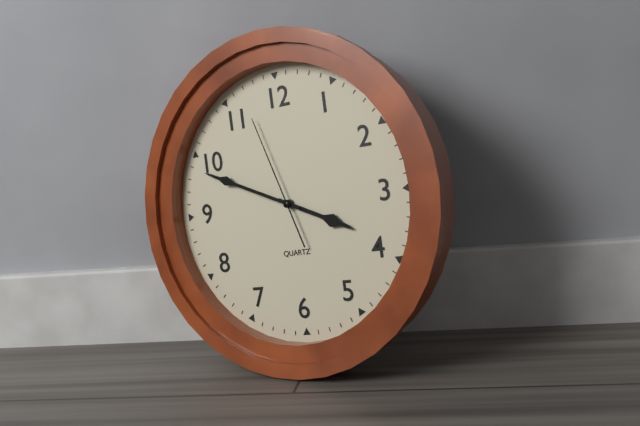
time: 3:49:57
